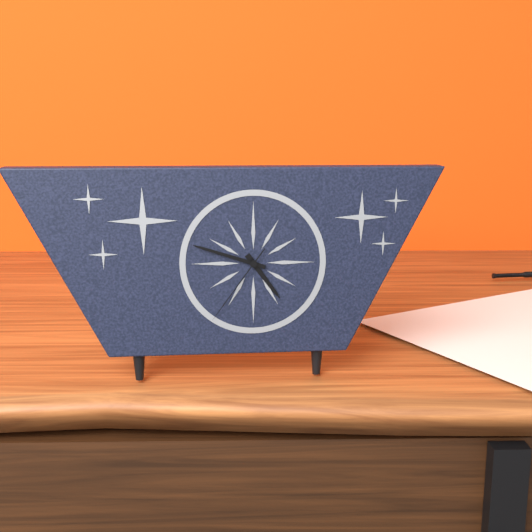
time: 4:48:36
